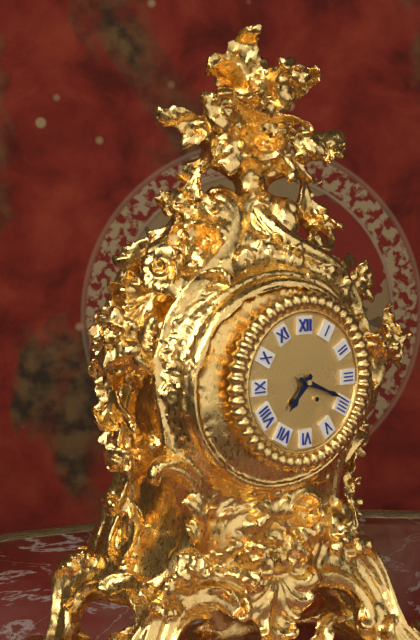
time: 7:19
